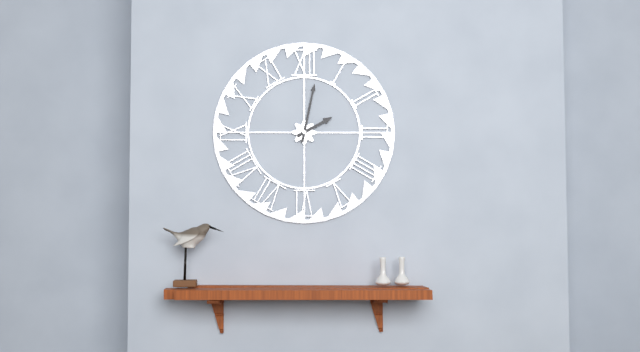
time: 2:02
